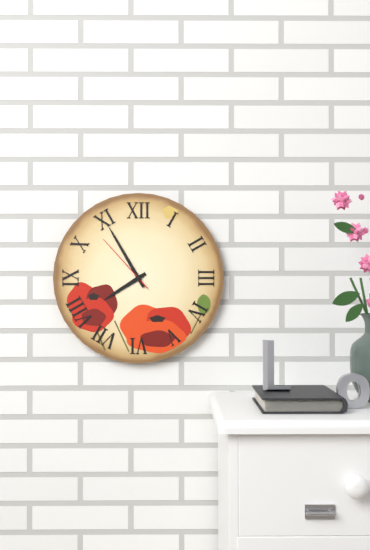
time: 7:55:53
